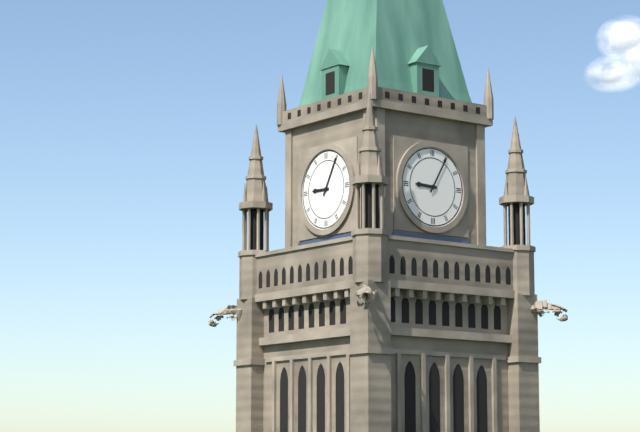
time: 9:05
